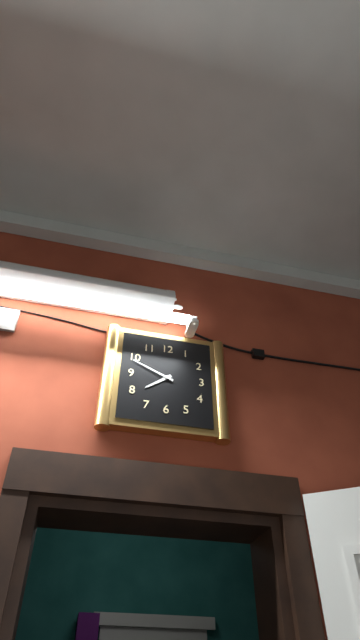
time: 7:49
